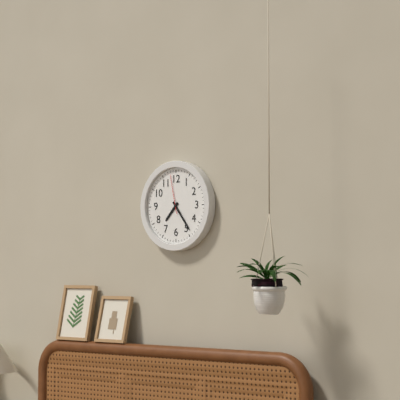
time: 7:24
